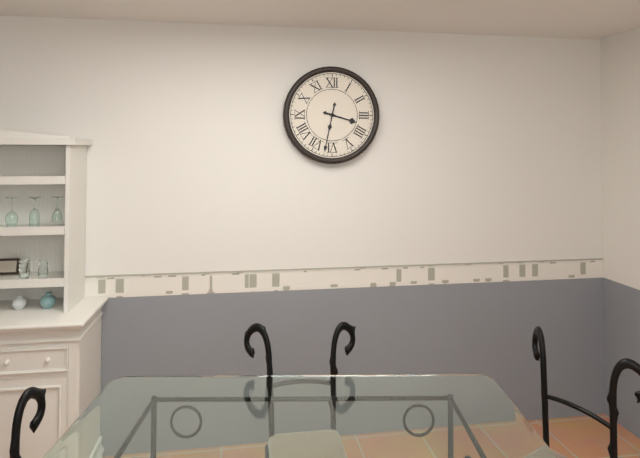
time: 3:32
